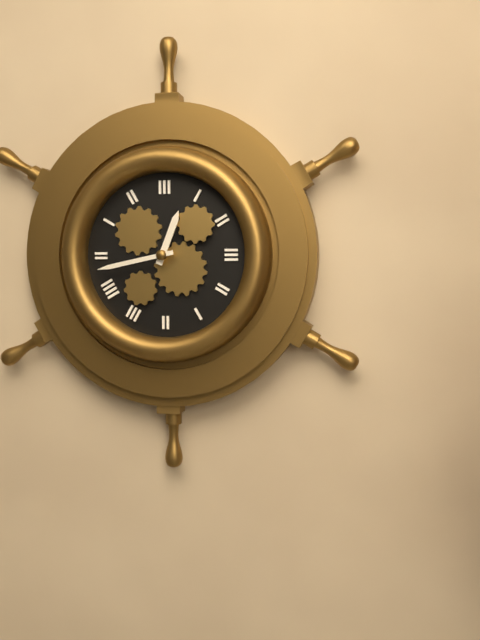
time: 12:43
